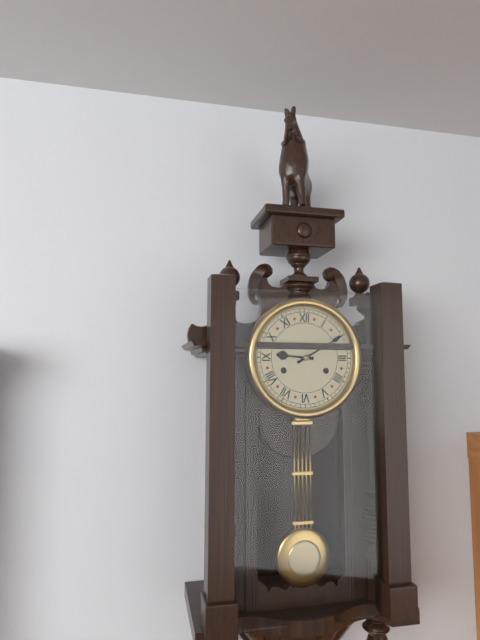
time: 9:10
